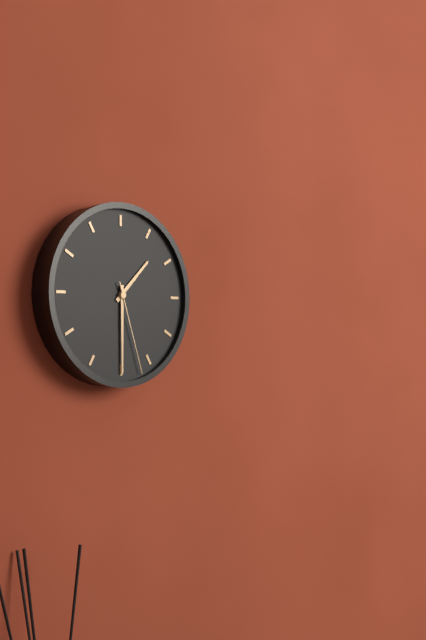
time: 1:30:27
